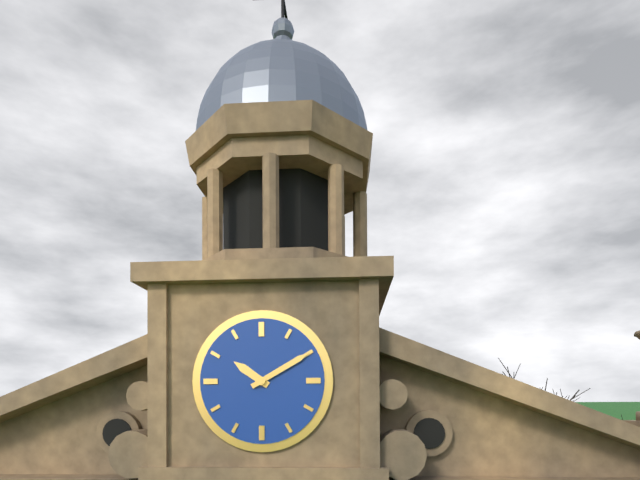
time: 10:10
